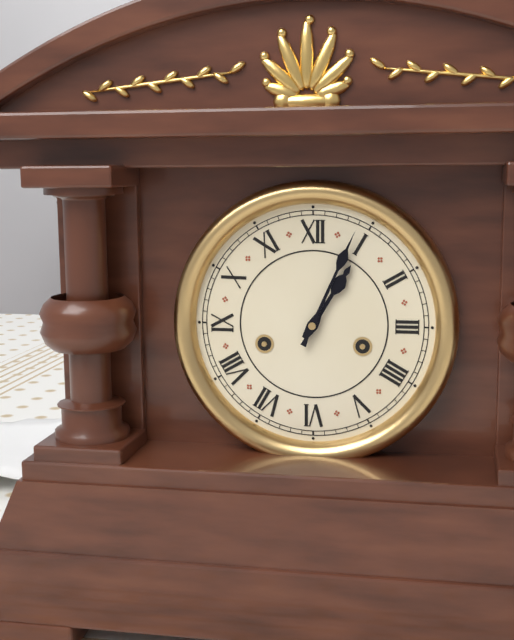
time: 1:04
